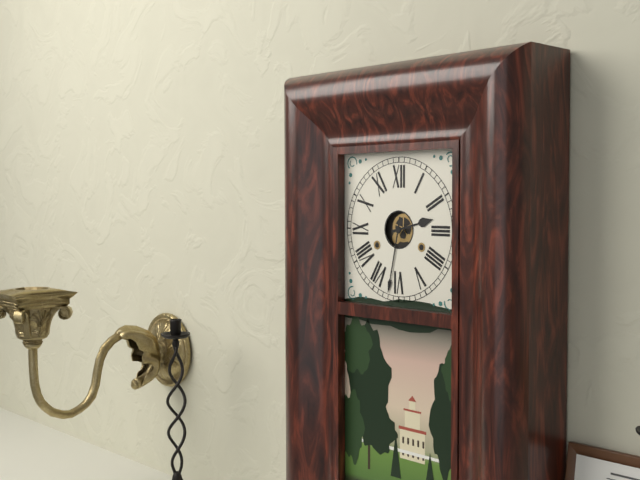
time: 2:32
